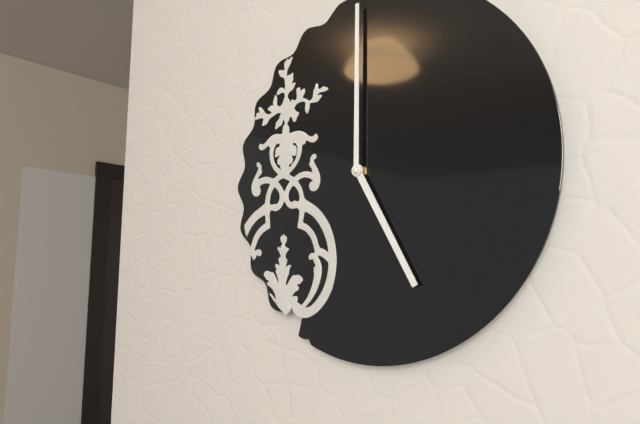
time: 5:00
